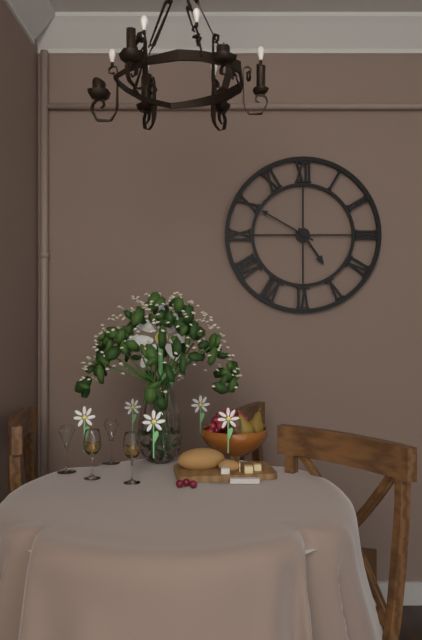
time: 4:50
